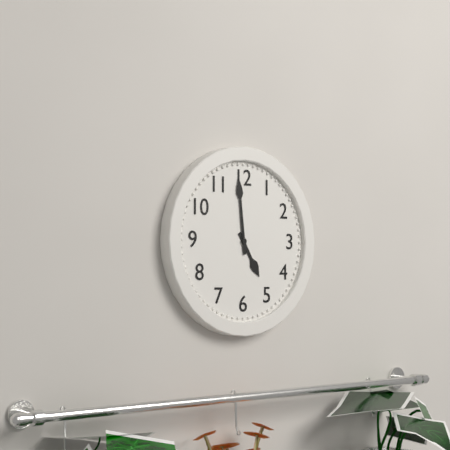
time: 4:59
